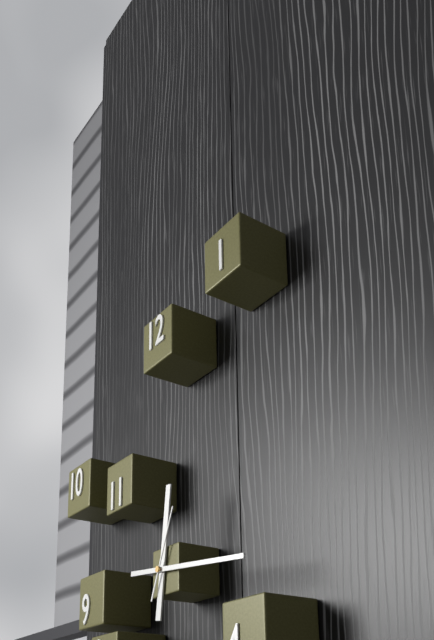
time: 12:16:04
